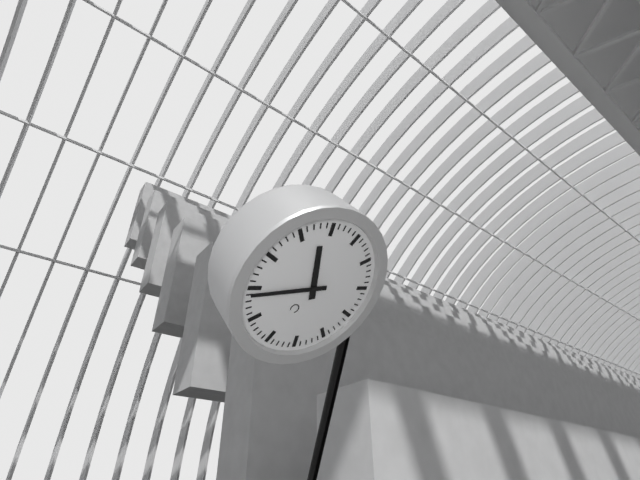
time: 10:39
